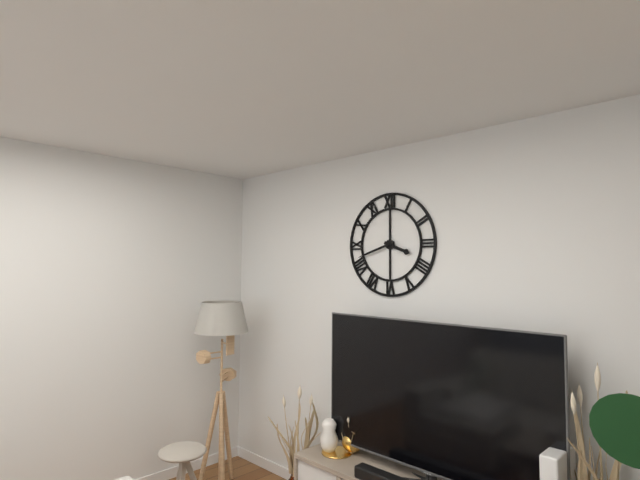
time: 3:42
